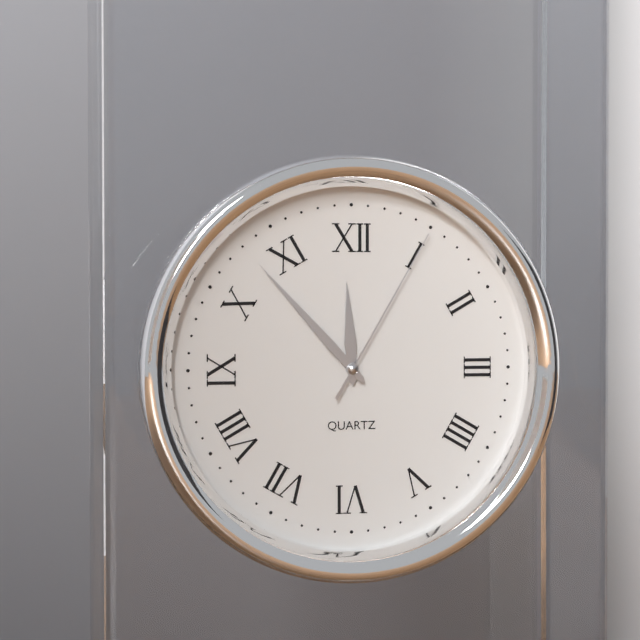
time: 11:53:05
